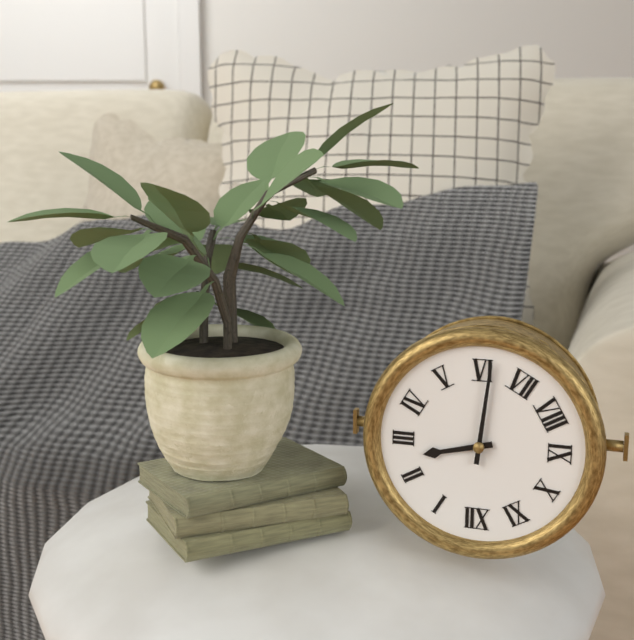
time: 2:31
